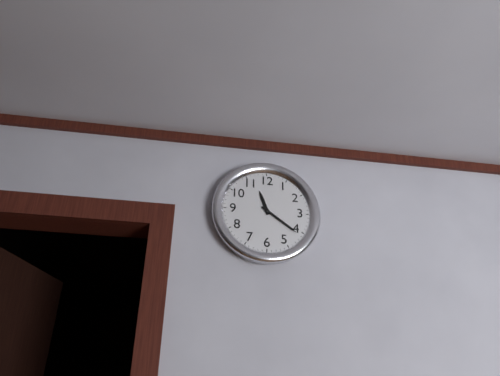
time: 11:21
